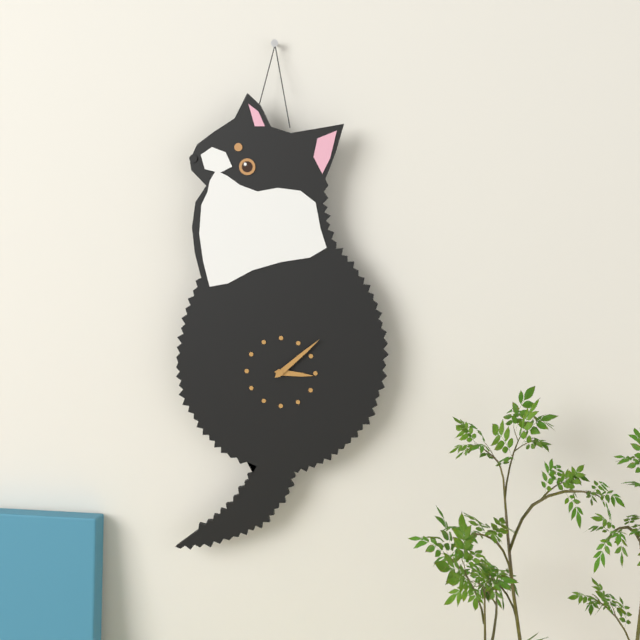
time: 3:08
